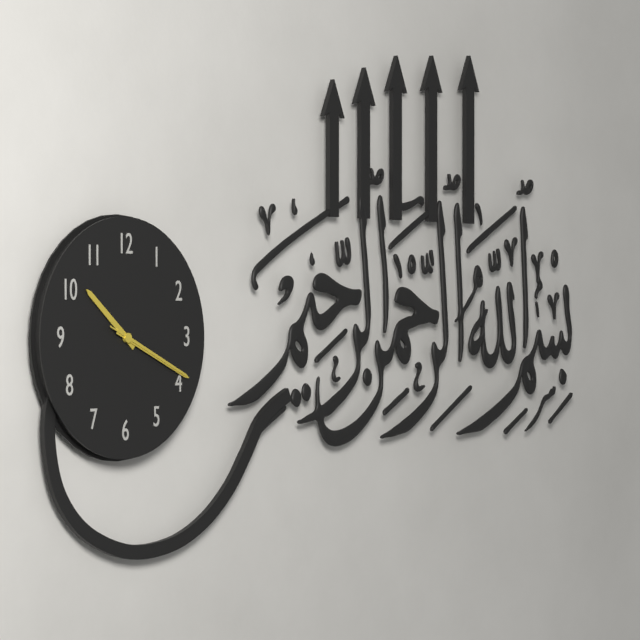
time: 10:19:19
